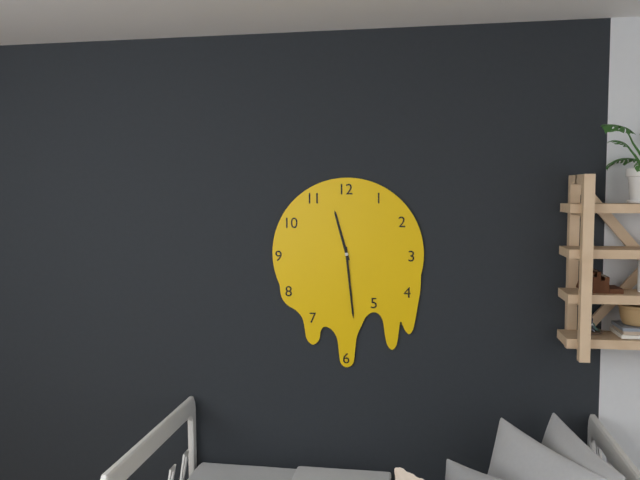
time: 11:29
